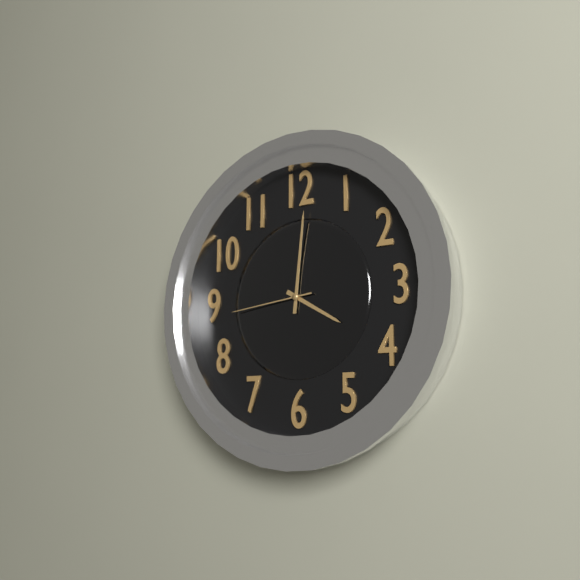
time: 4:01:44
